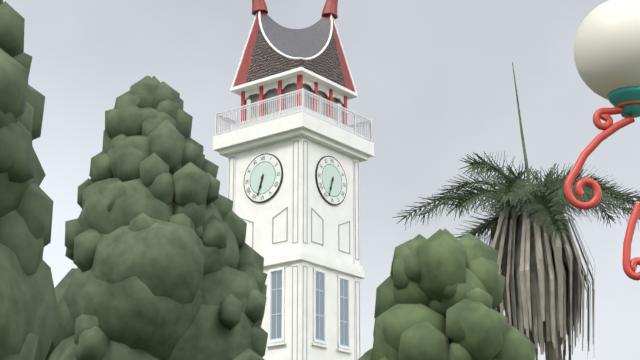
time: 6:33
